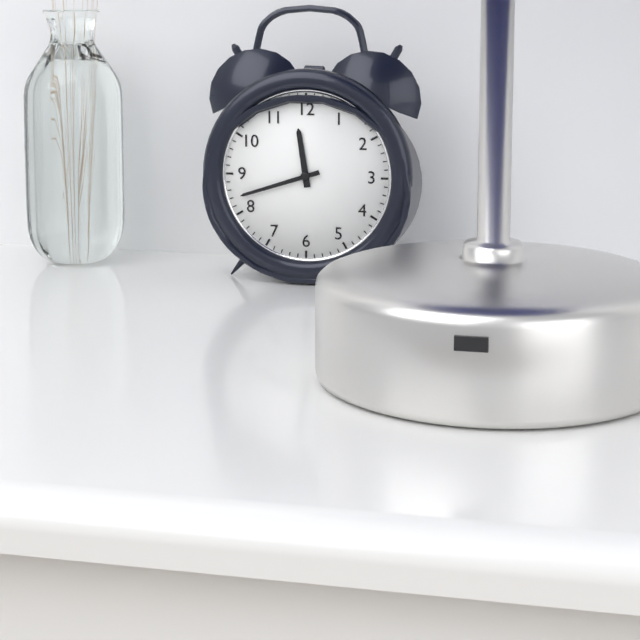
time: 11:42
